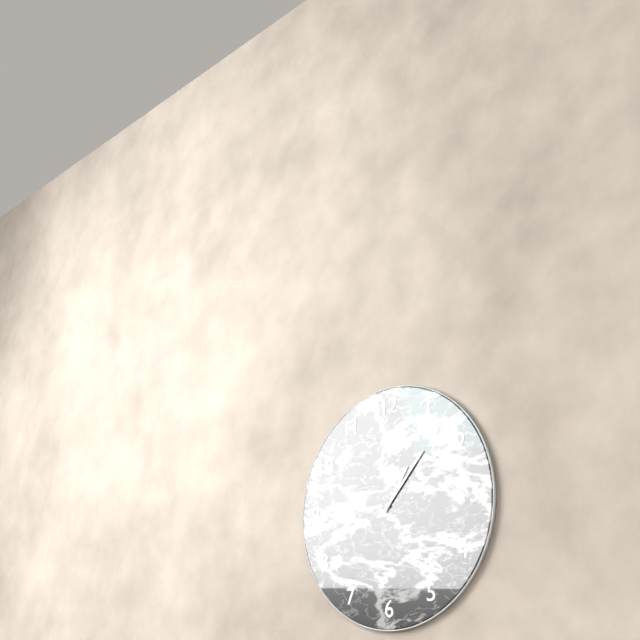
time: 1:07
